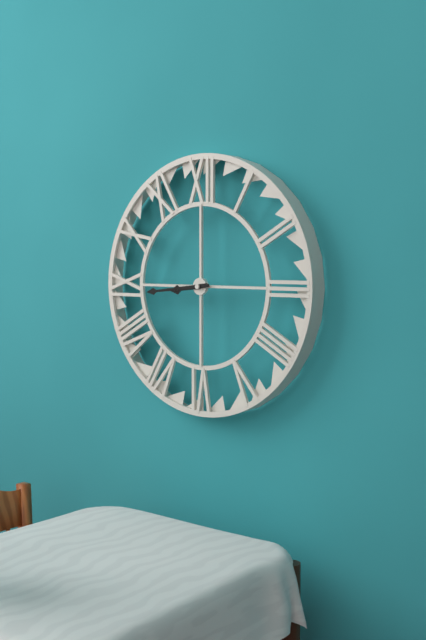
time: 8:44
